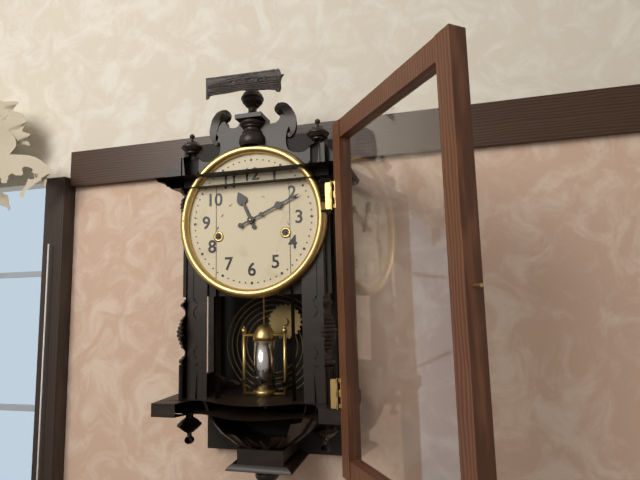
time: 11:11
